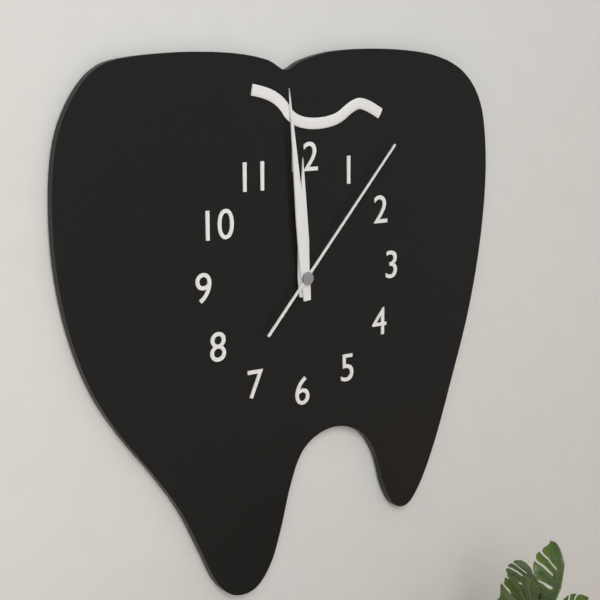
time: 11:59:07
